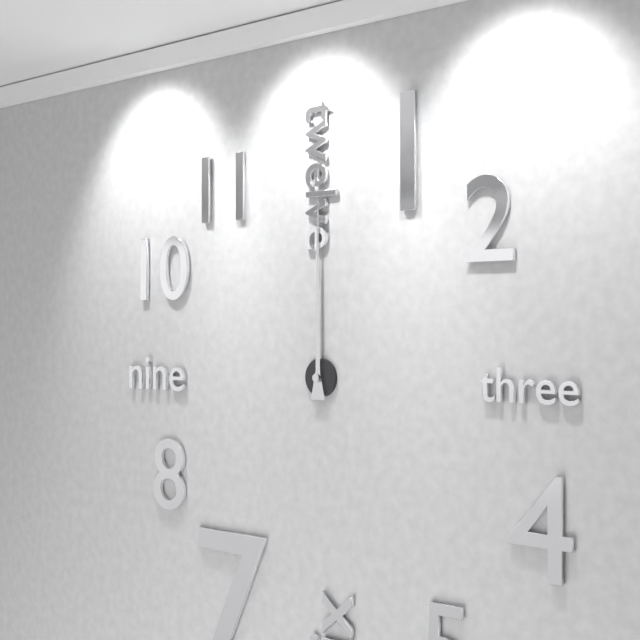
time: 12:00
